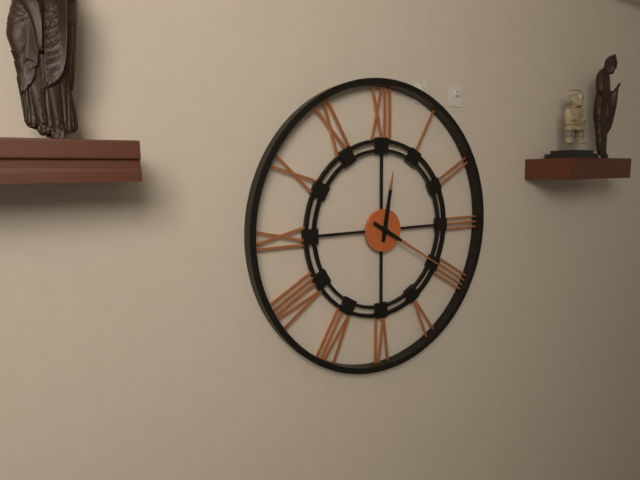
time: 12:20
